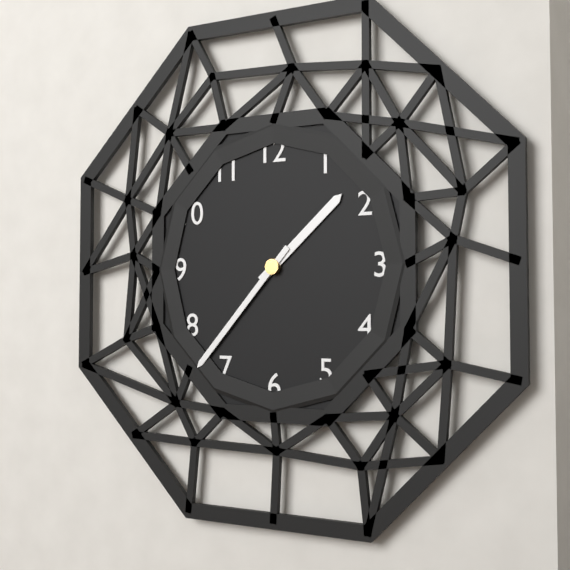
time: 1:37
